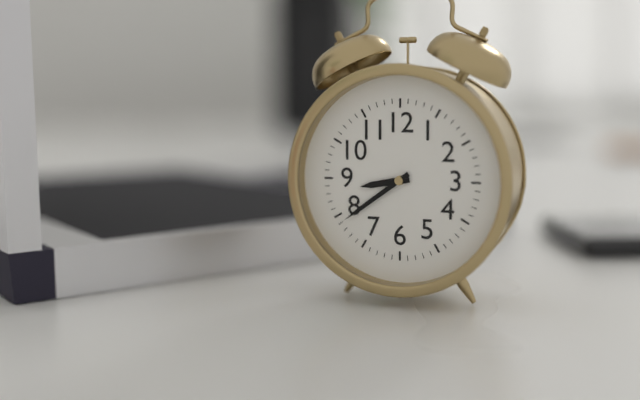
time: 8:39
